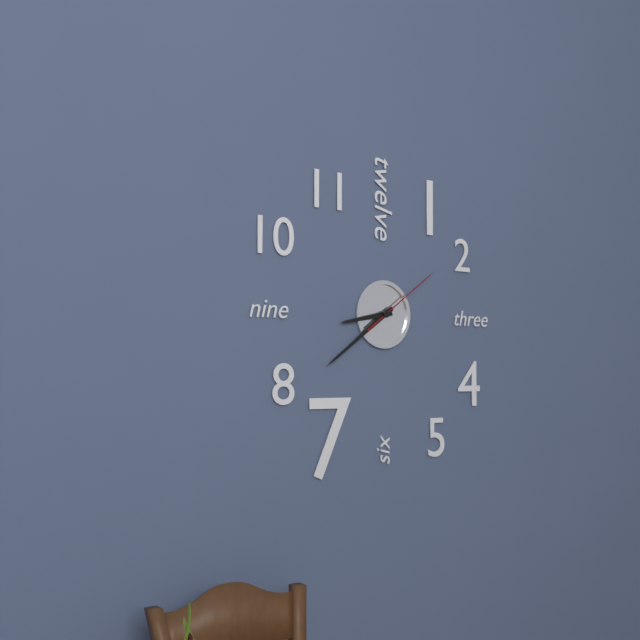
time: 8:39:09
